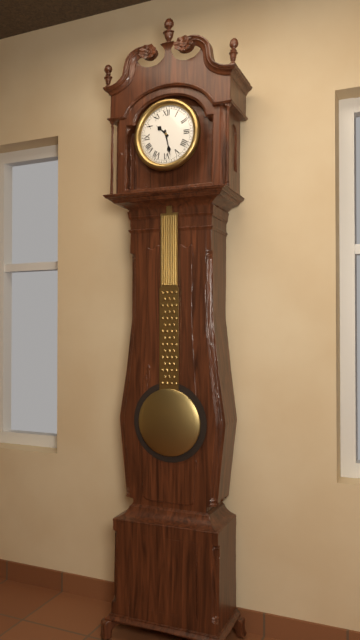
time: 10:28
